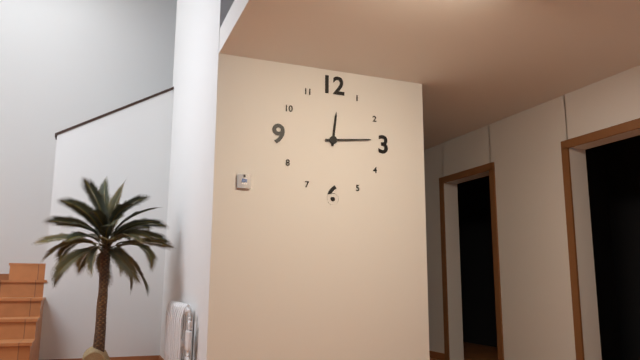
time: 12:14
